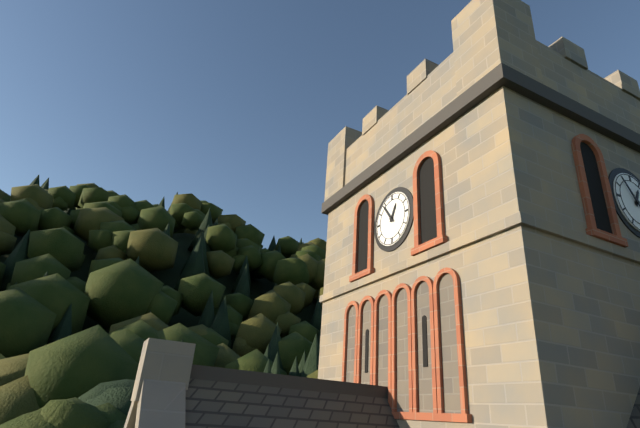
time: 12:54
